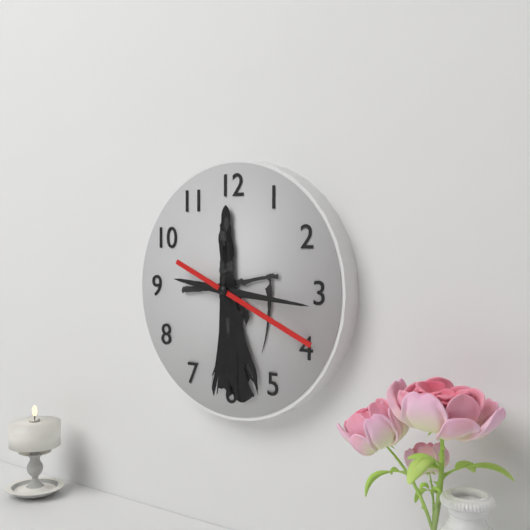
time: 9:16:19
